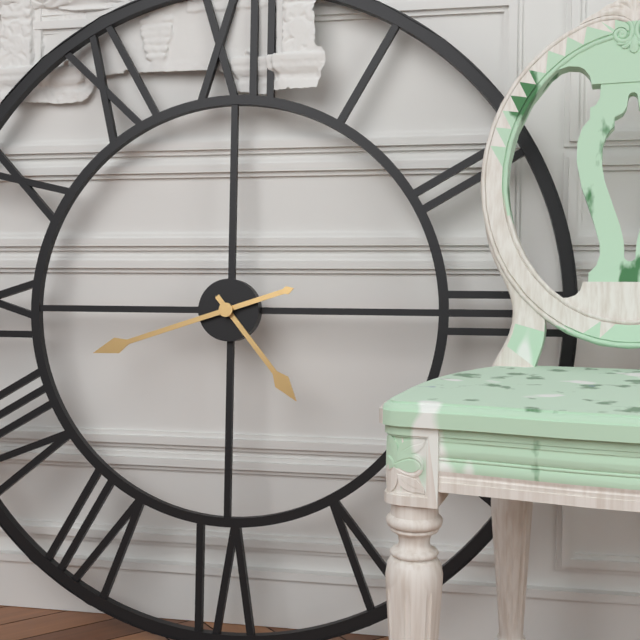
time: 4:42
